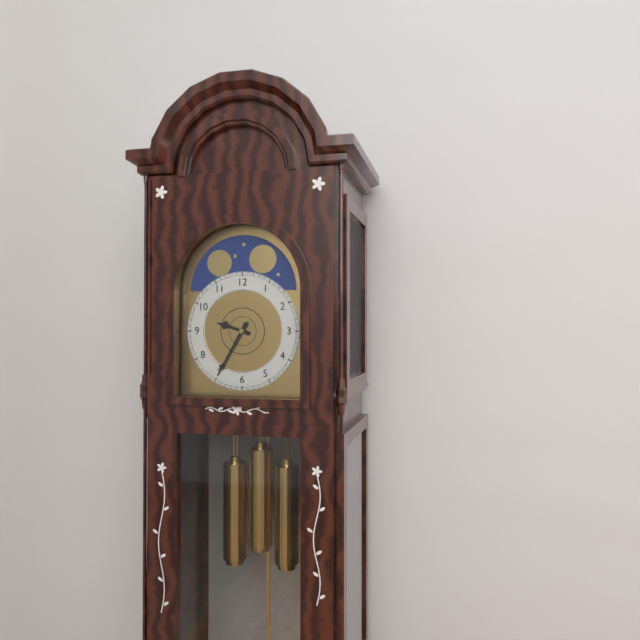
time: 9:35
